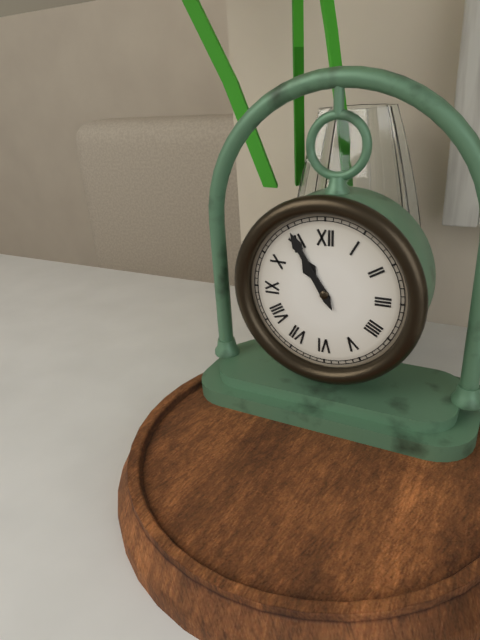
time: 10:55
